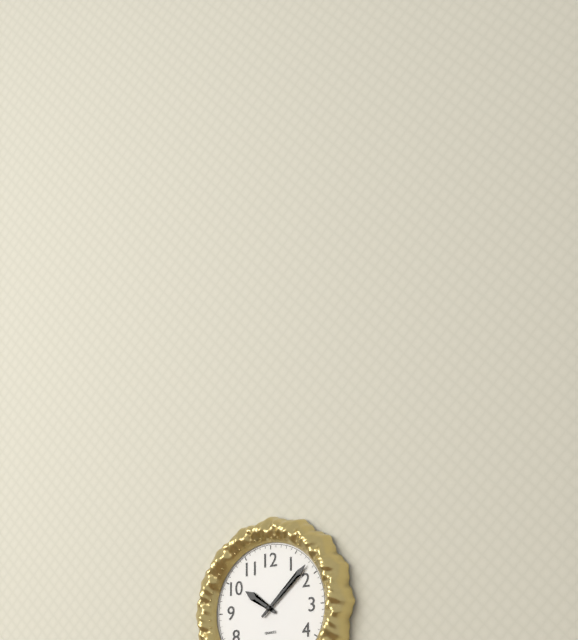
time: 10:08
